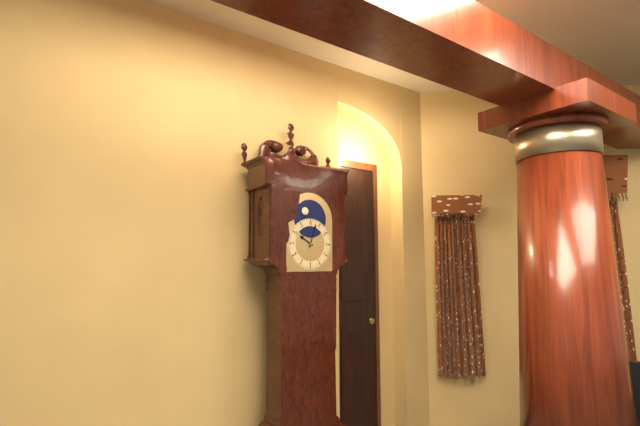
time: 10:03
